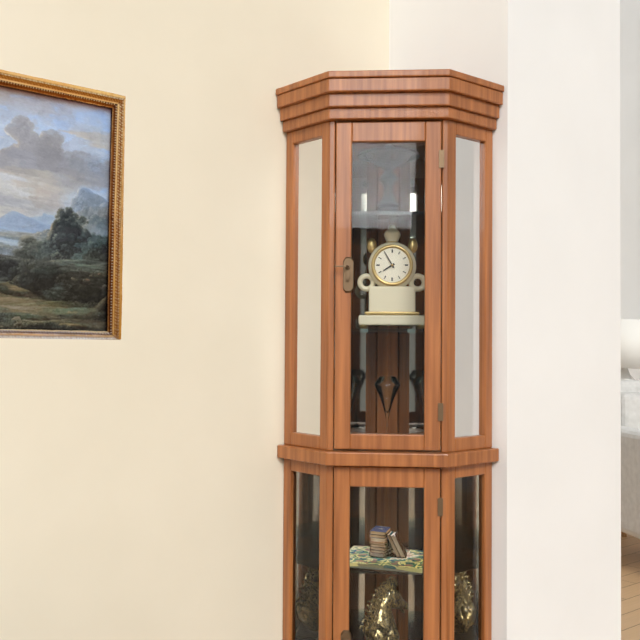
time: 7:55
